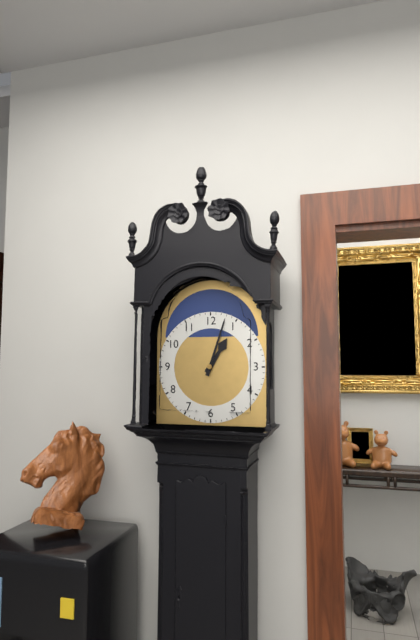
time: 1:03
